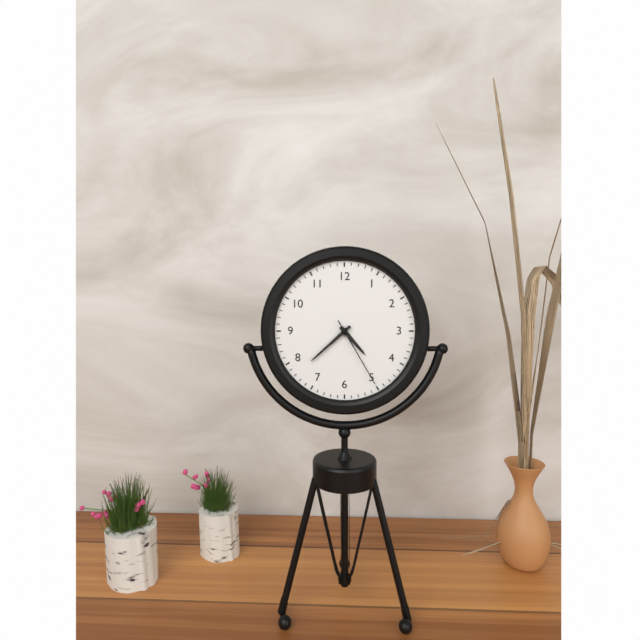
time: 4:38:25
